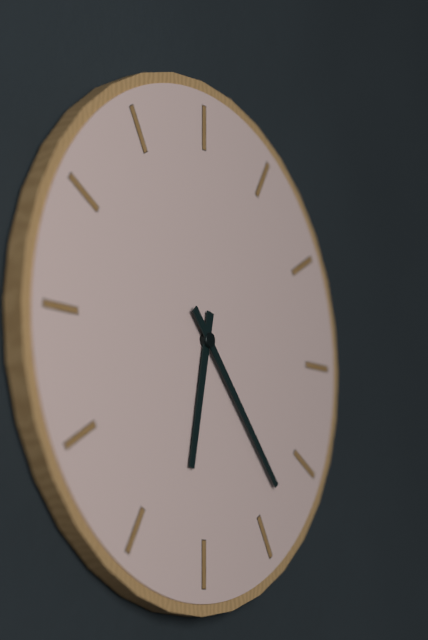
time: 6:23
